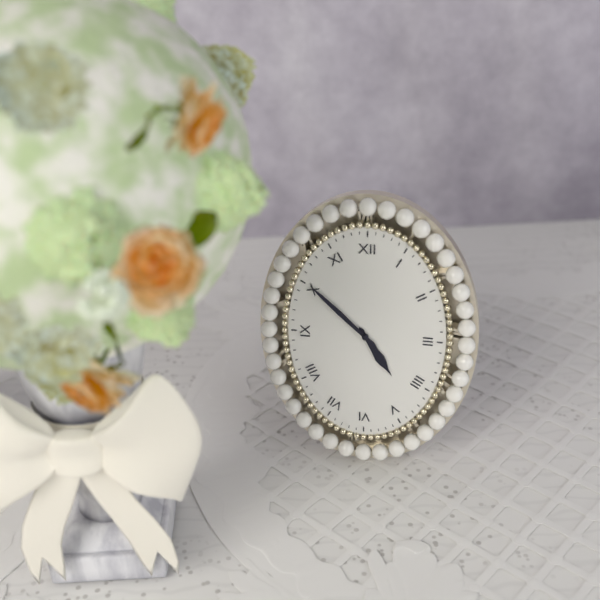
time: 4:52
